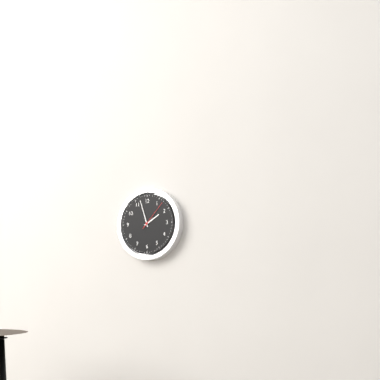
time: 1:57
